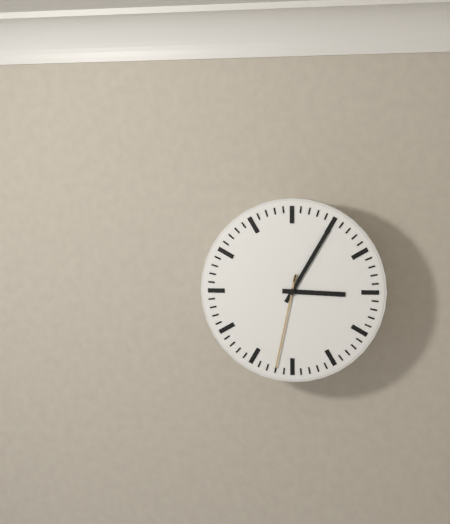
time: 3:05:32
